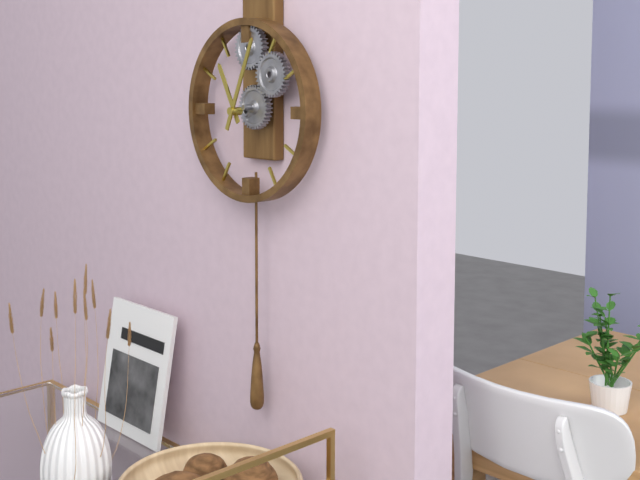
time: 11:04
